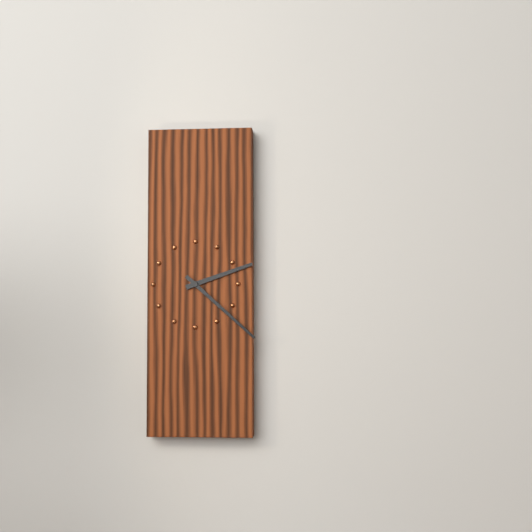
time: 2:22
